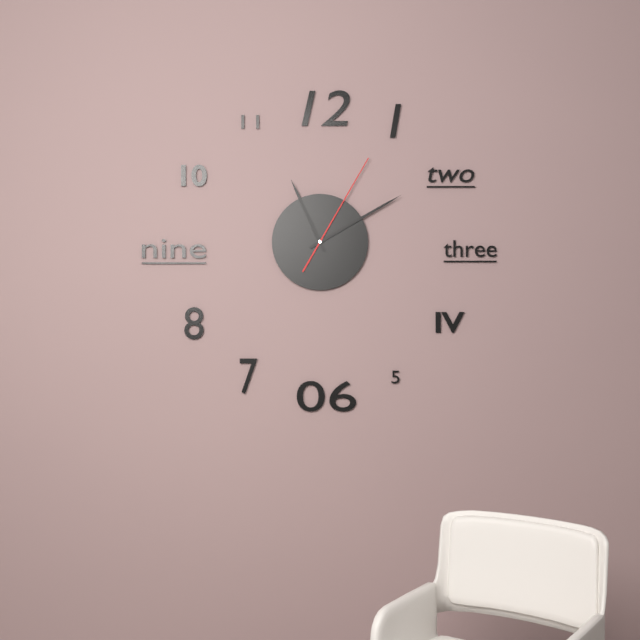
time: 11:10:05
